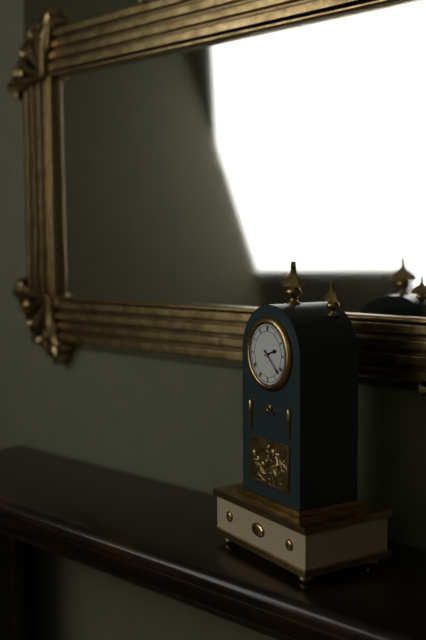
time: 2:22
